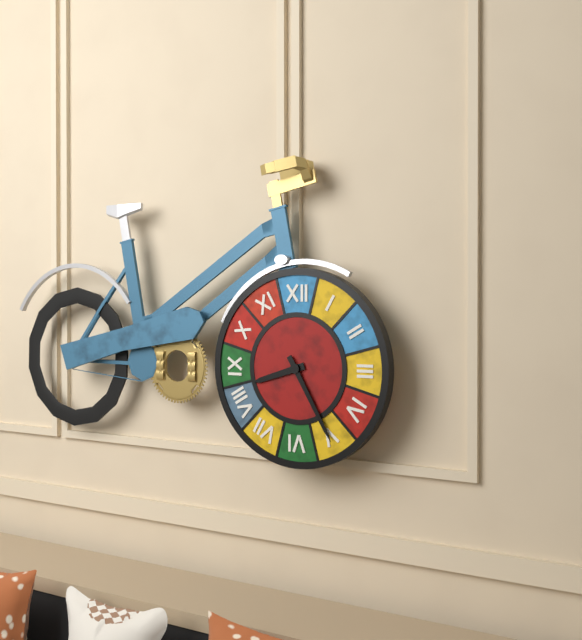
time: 8:25
